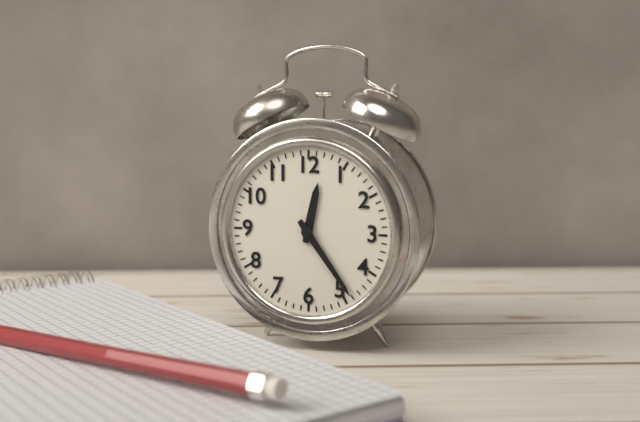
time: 12:24
